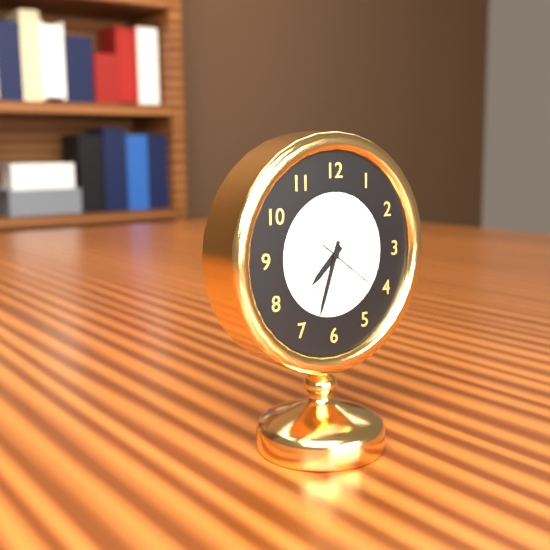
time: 7:33:21
